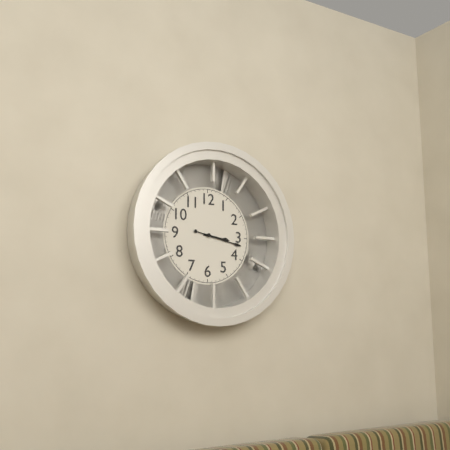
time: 3:17
